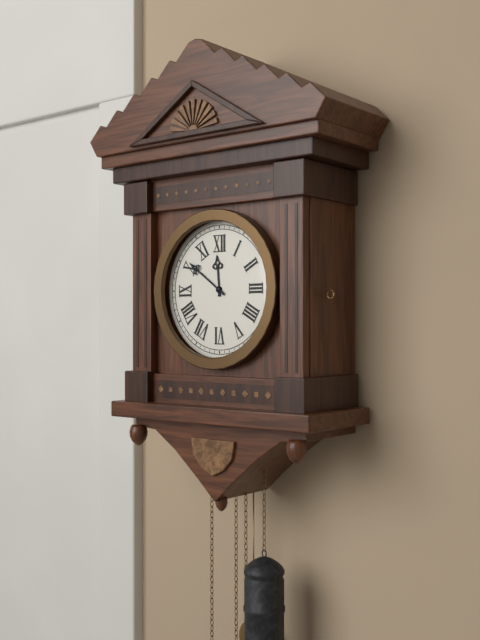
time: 11:51
